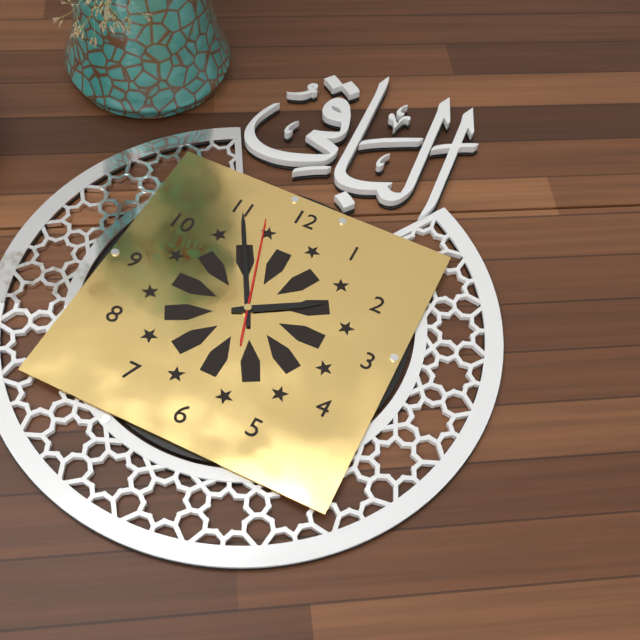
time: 1:55:57
